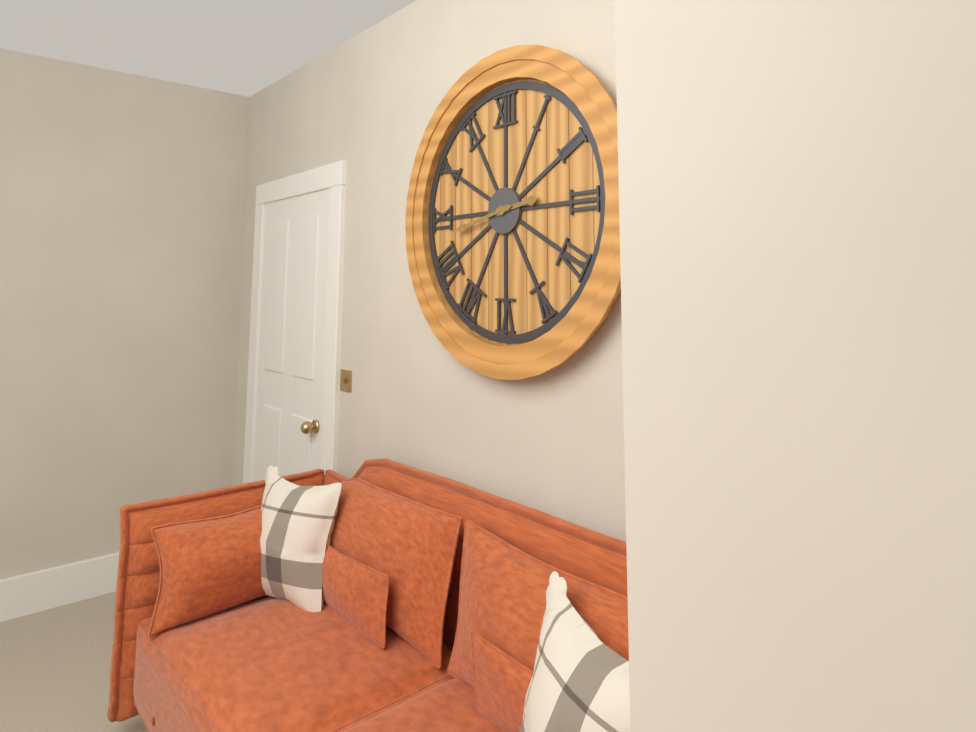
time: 2:43
